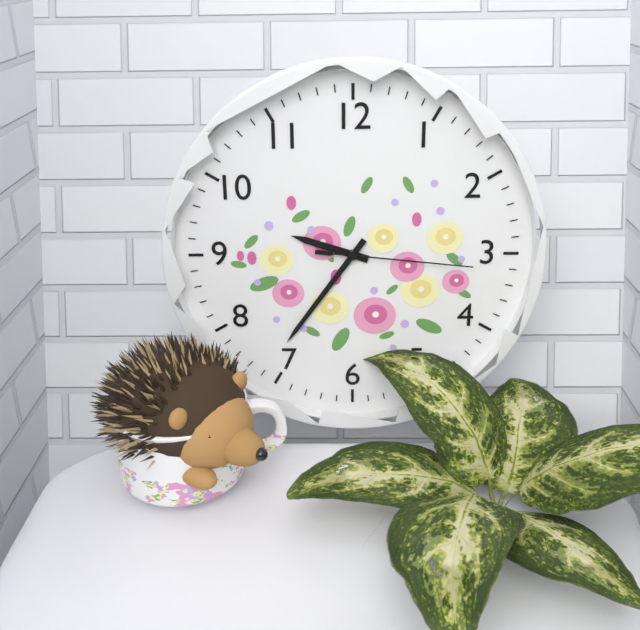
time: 9:36:16
